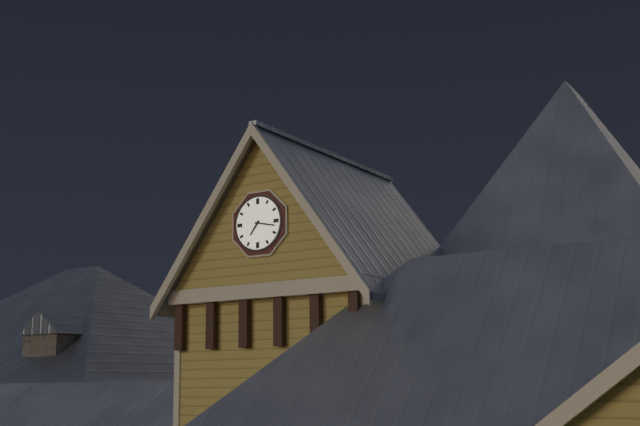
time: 7:17
